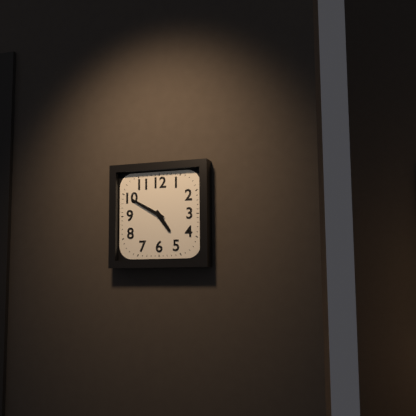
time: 4:50
